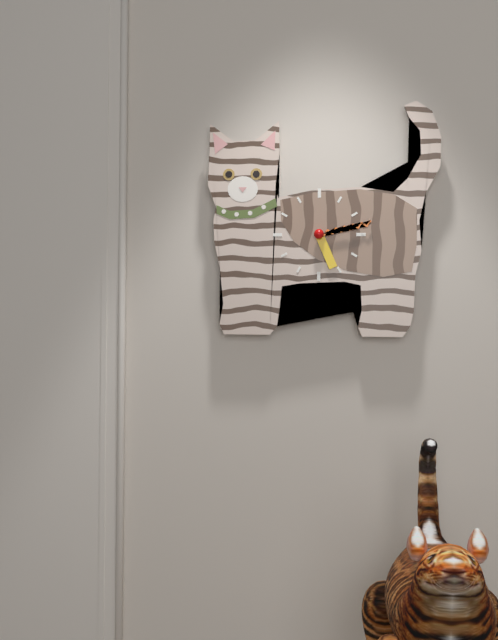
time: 5:13
